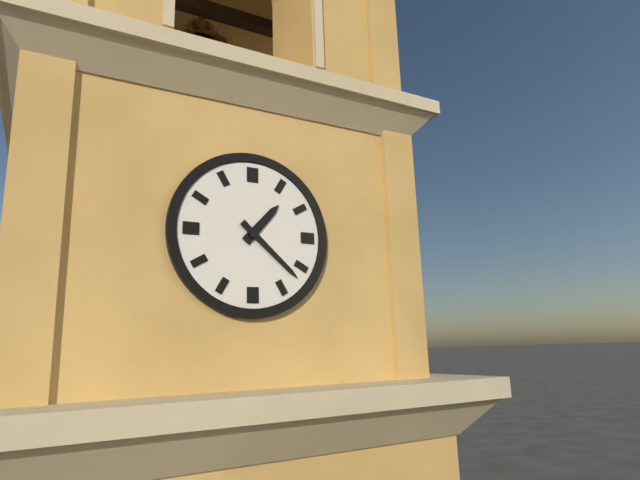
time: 1:22
